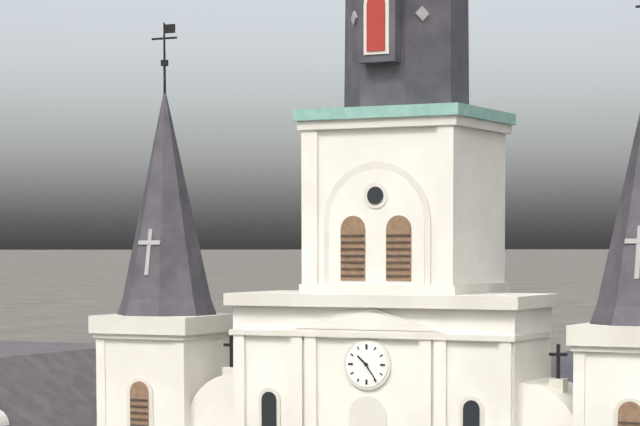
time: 10:24
